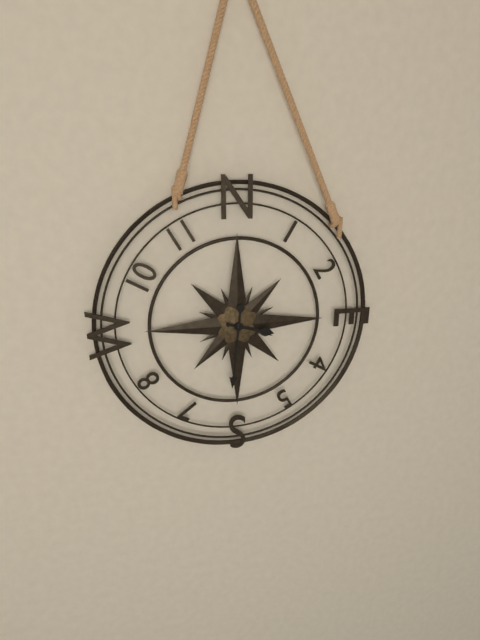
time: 3:31
